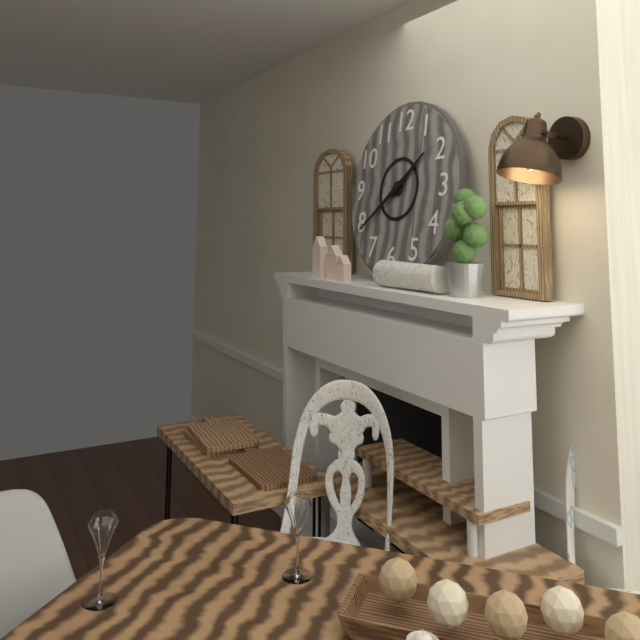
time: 1:39
